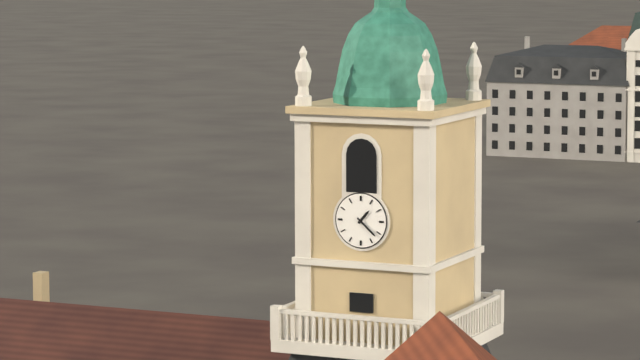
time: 1:22
